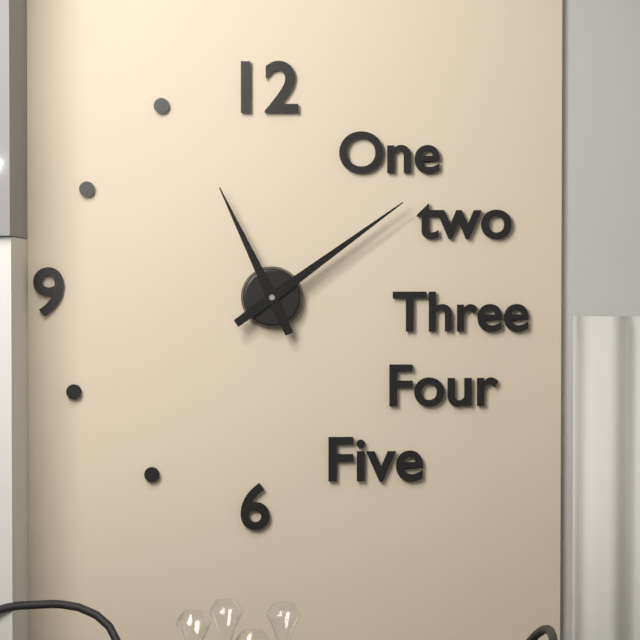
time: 11:09
